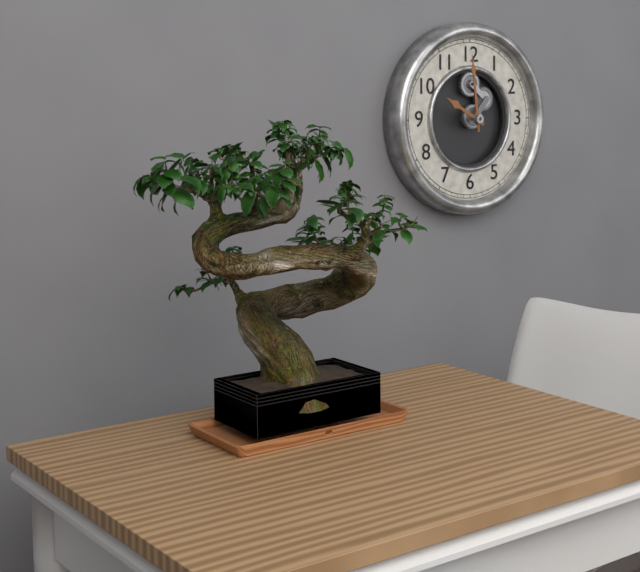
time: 9:59
